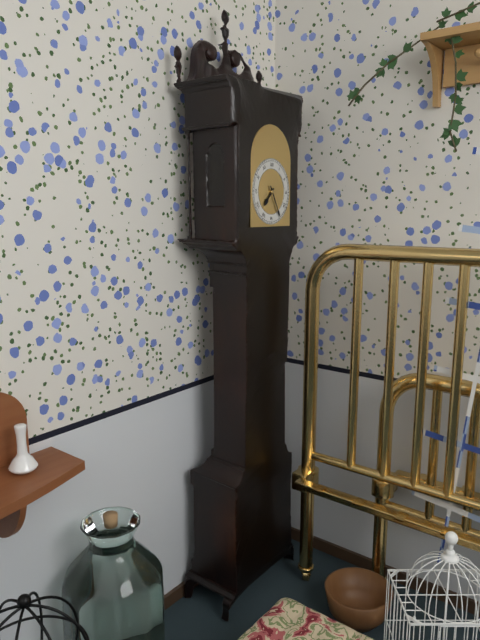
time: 7:25
